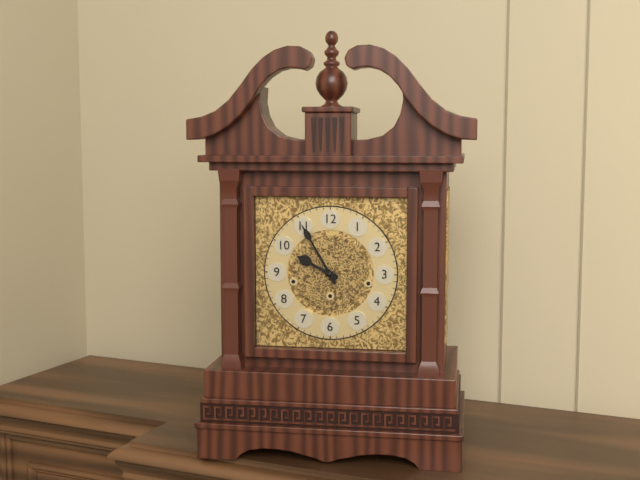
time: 9:55
